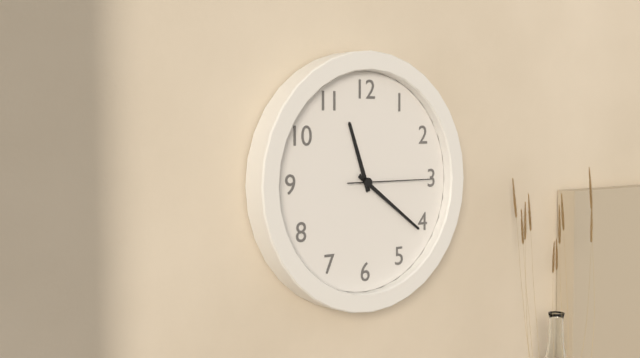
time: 11:21:15
